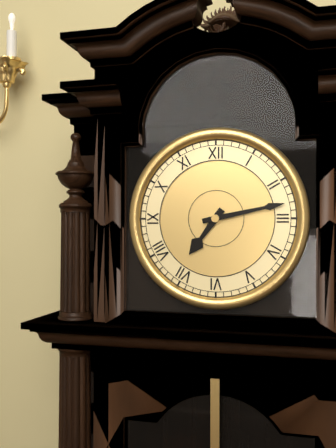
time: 7:13
